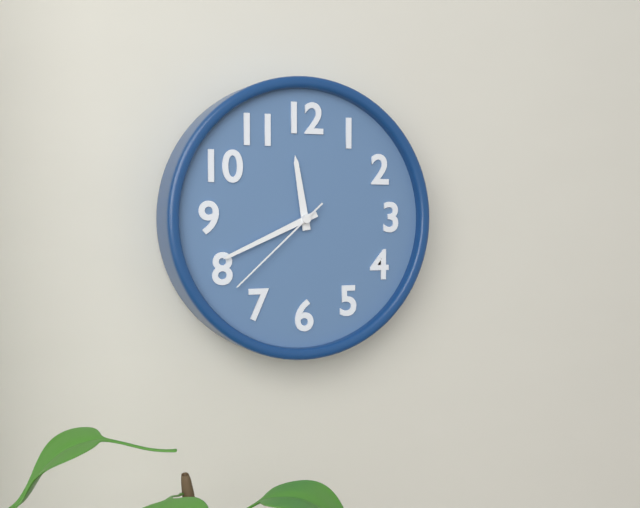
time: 11:41:38
